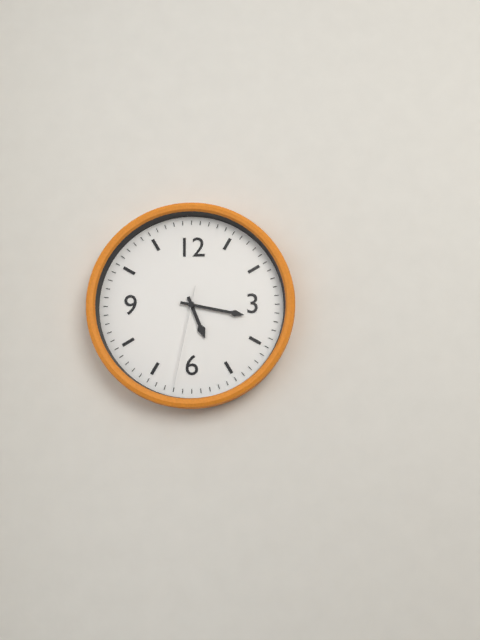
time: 5:17:32
